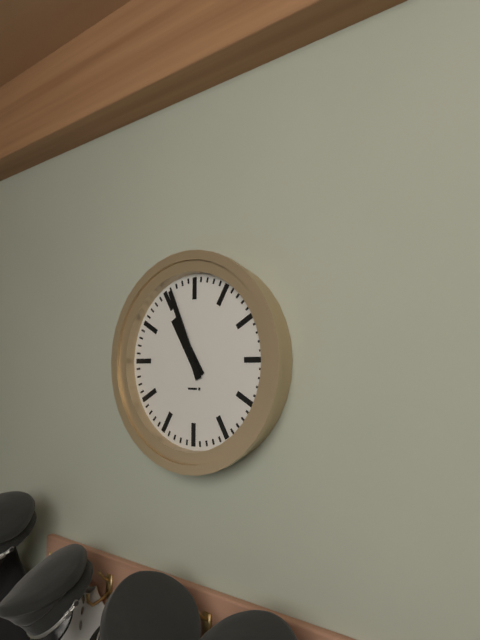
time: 10:56
